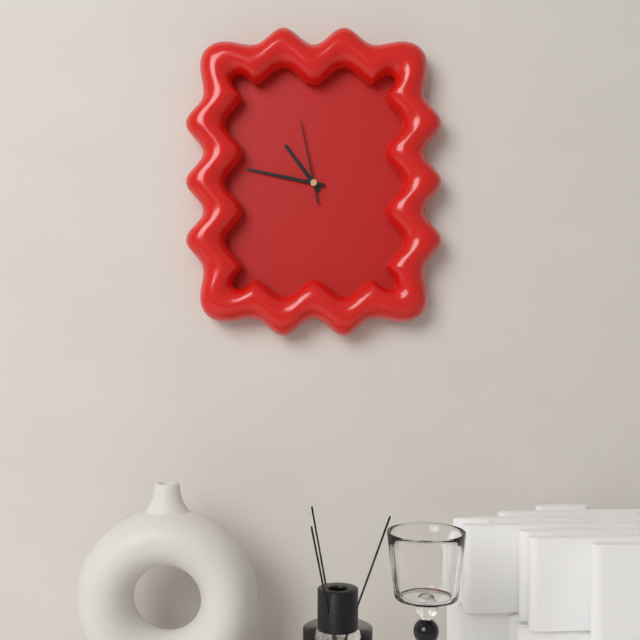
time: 10:47:58
